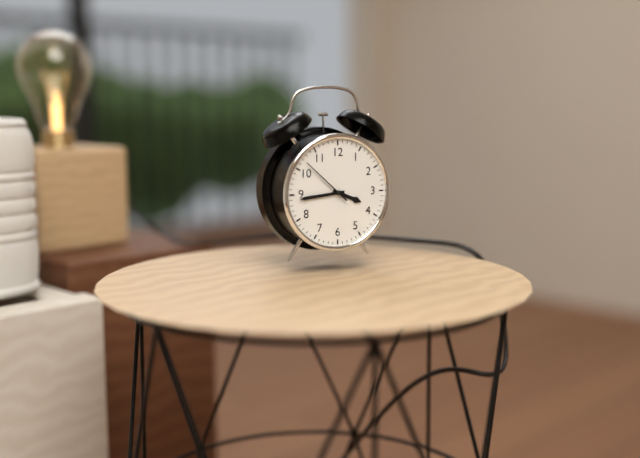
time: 3:44:52
